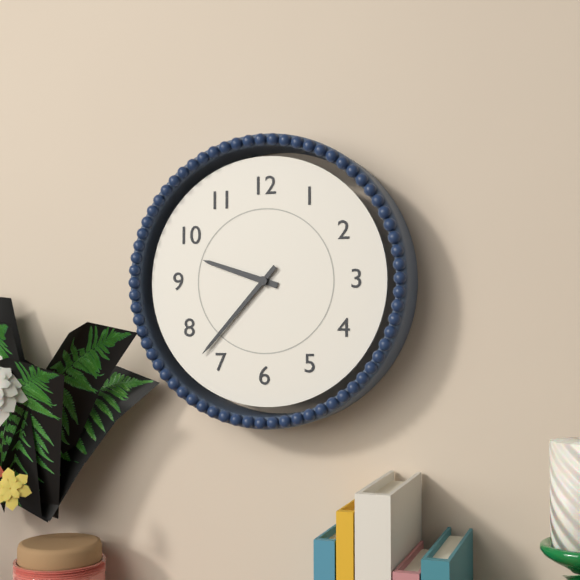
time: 9:37
